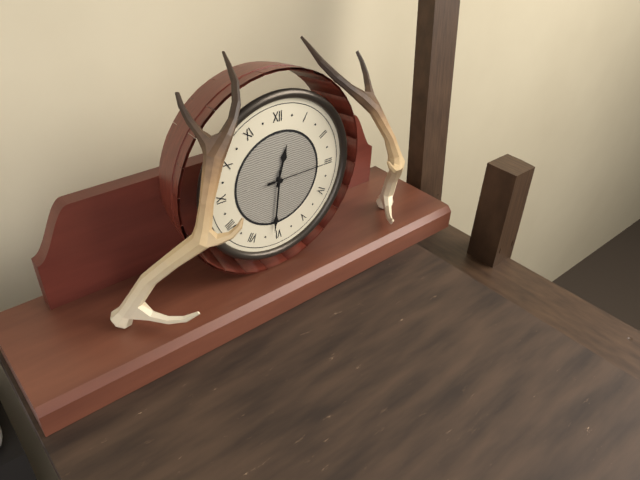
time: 12:31:15
